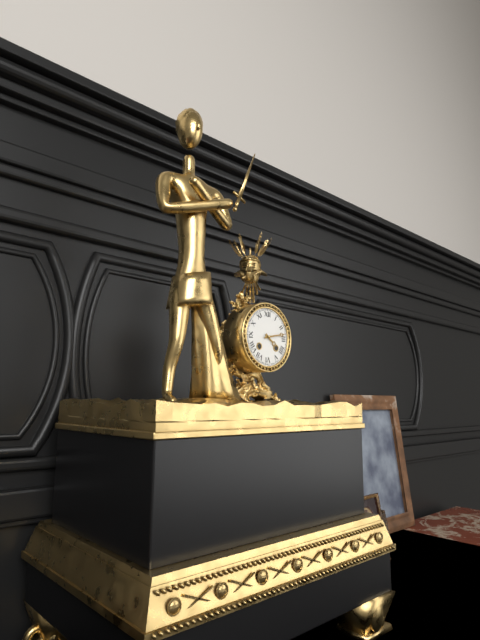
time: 4:13
